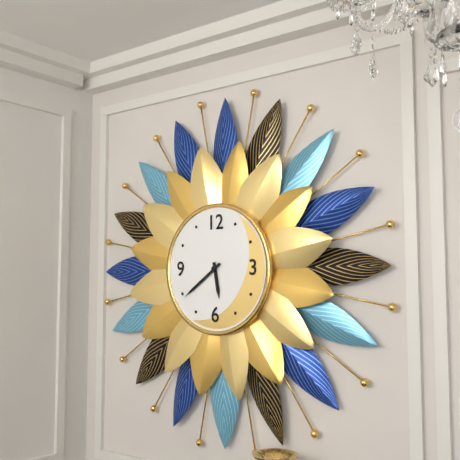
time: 5:39
